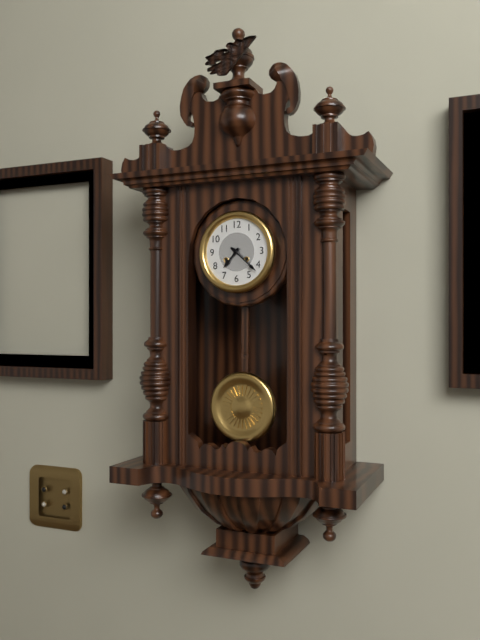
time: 7:22
